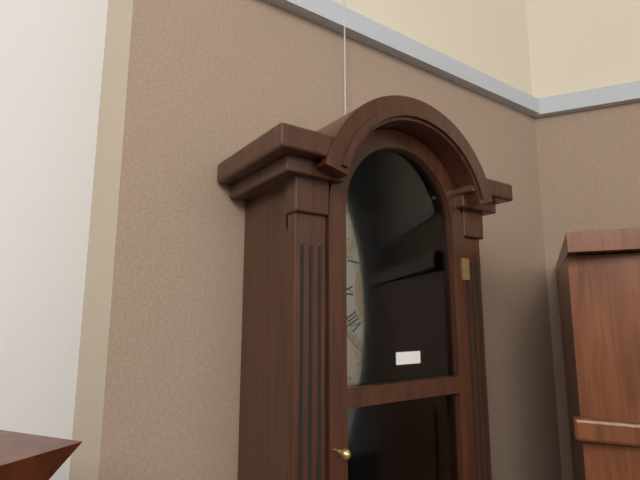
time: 5:30
